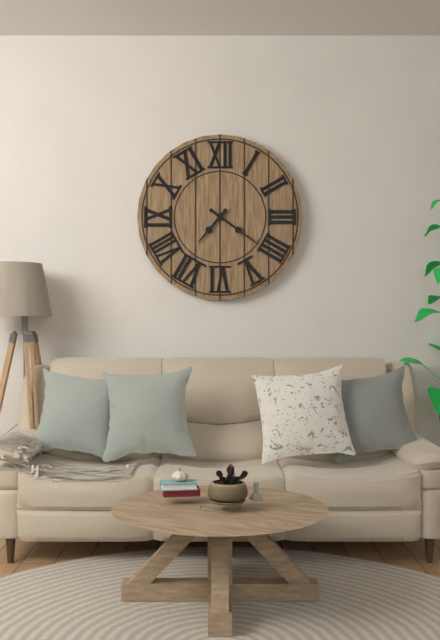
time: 7:21
